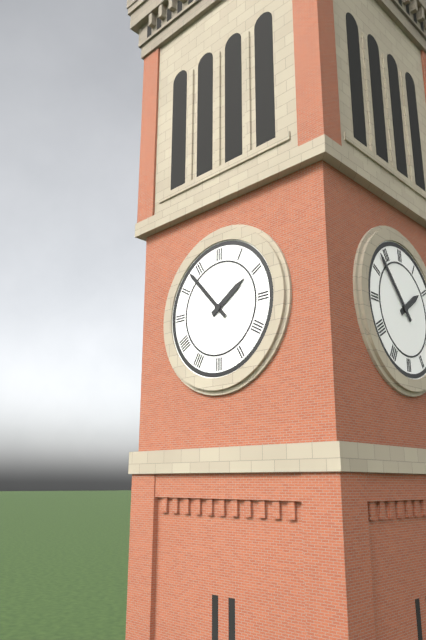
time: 1:53
